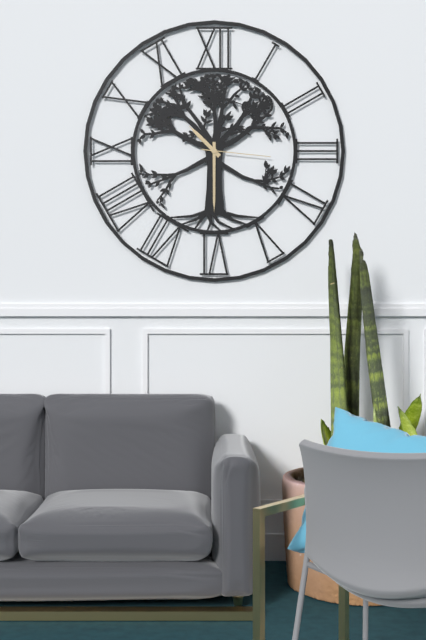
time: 10:30:16
